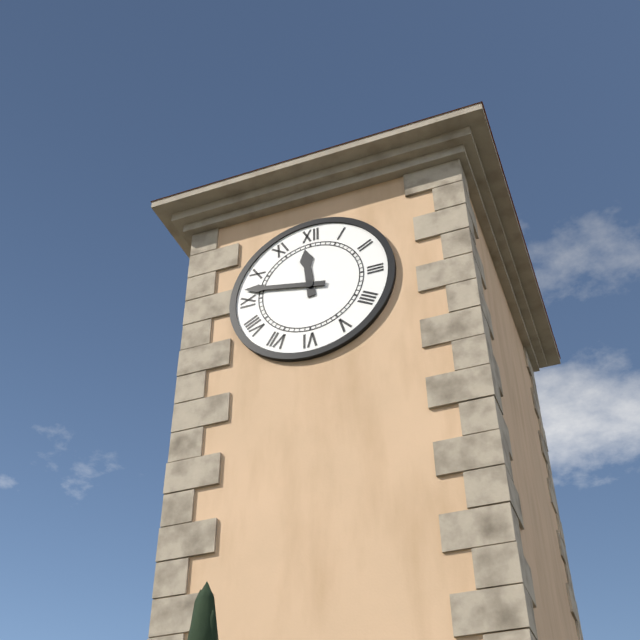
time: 11:47
